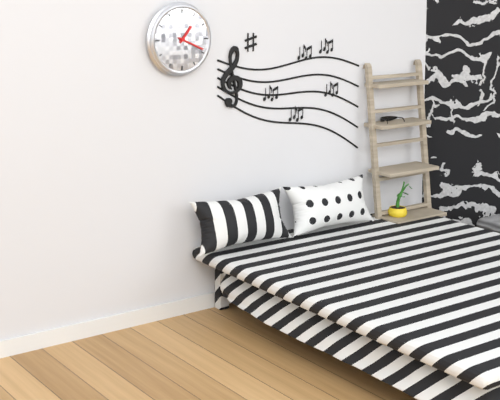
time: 1:19
